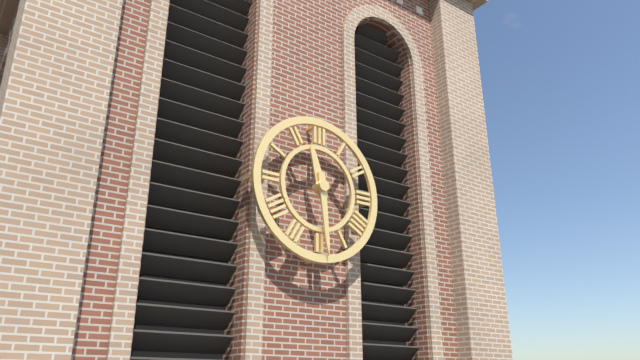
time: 11:29
